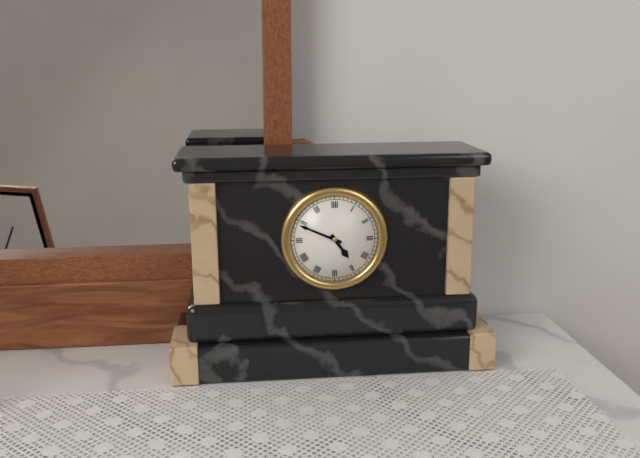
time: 4:49
